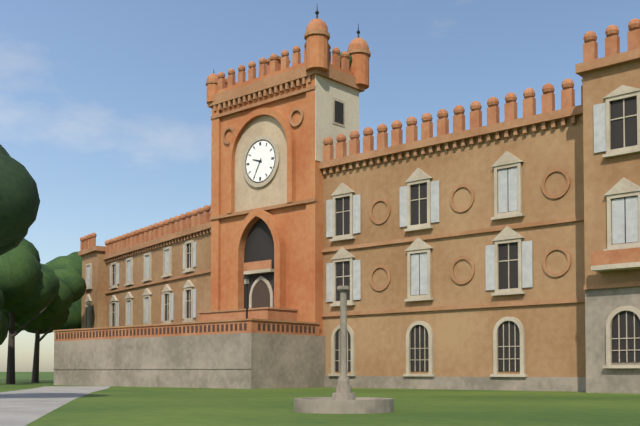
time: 9:35
